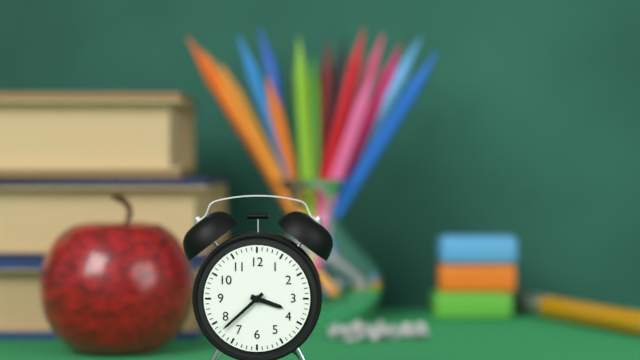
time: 3:38
